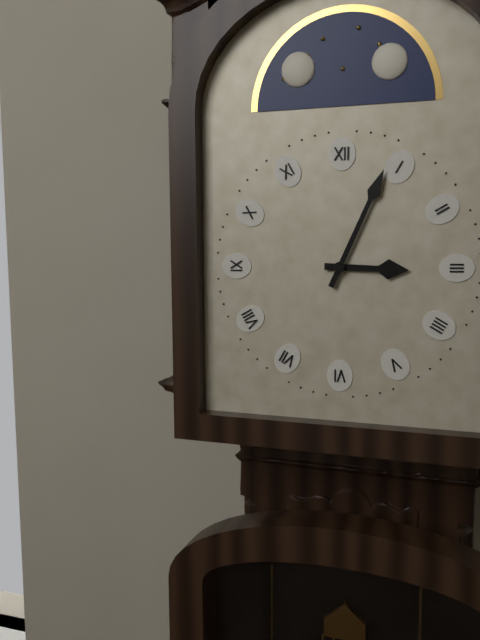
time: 3:04
